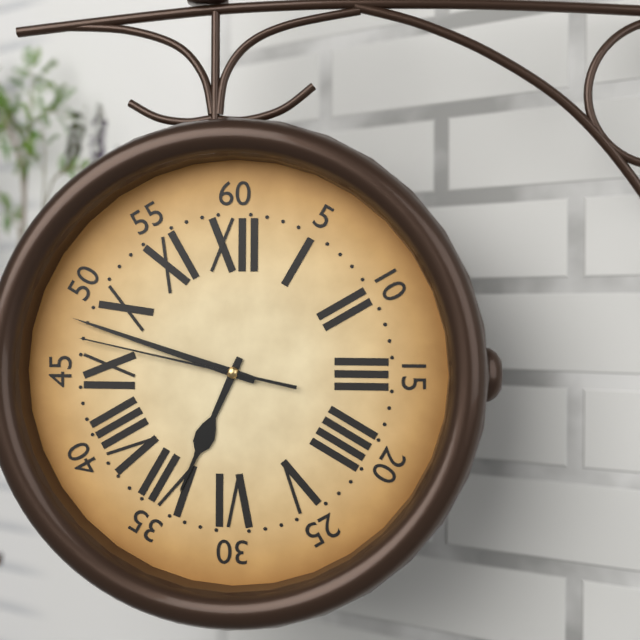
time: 6:48:47
